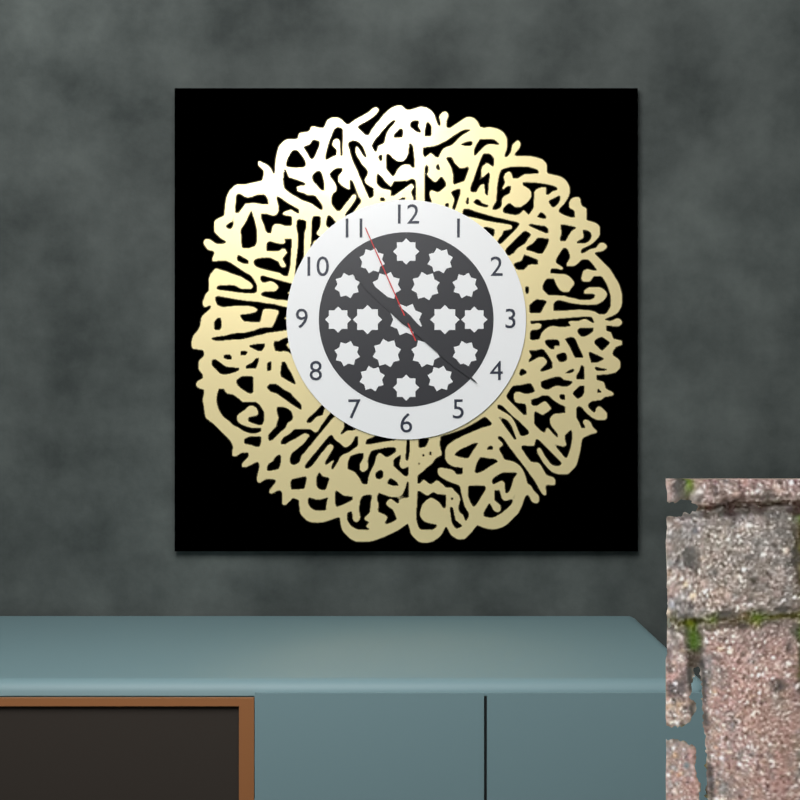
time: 10:22:56
